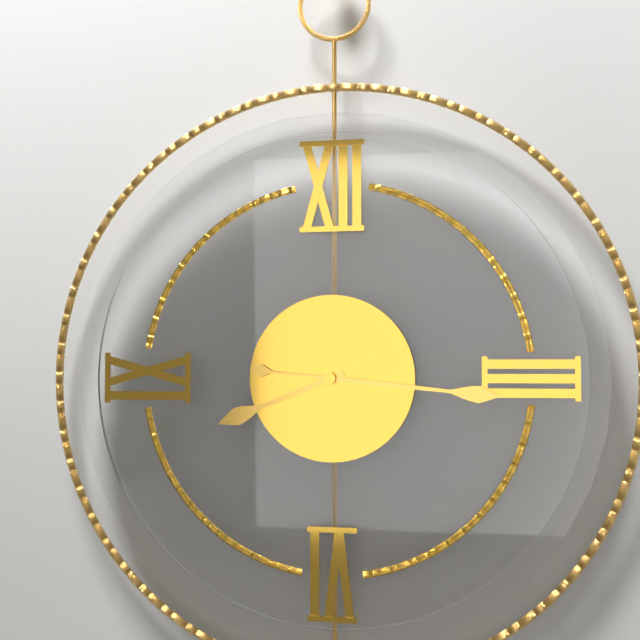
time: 8:16
